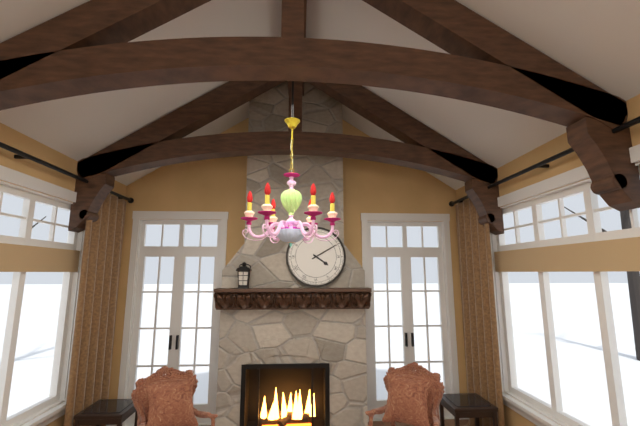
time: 4:10
